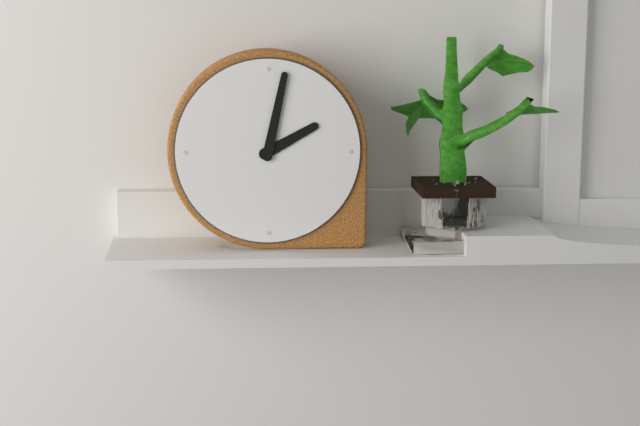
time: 2:02
